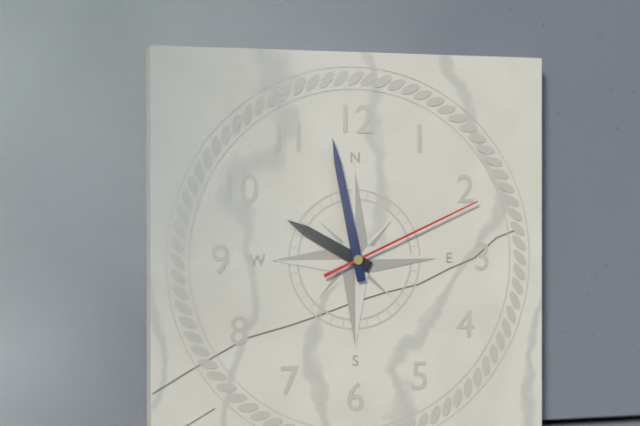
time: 9:58:11
